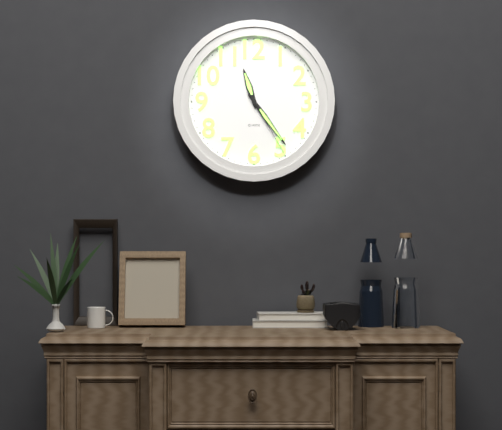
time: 11:24:25
